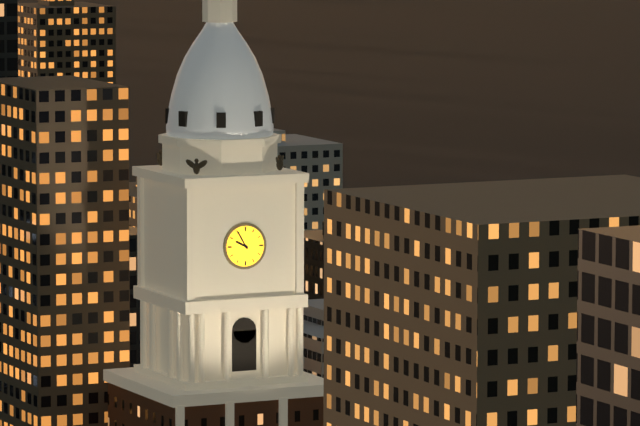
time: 9:55
